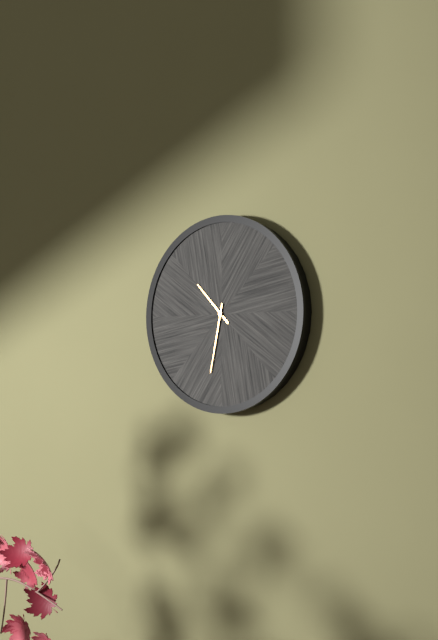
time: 10:32
